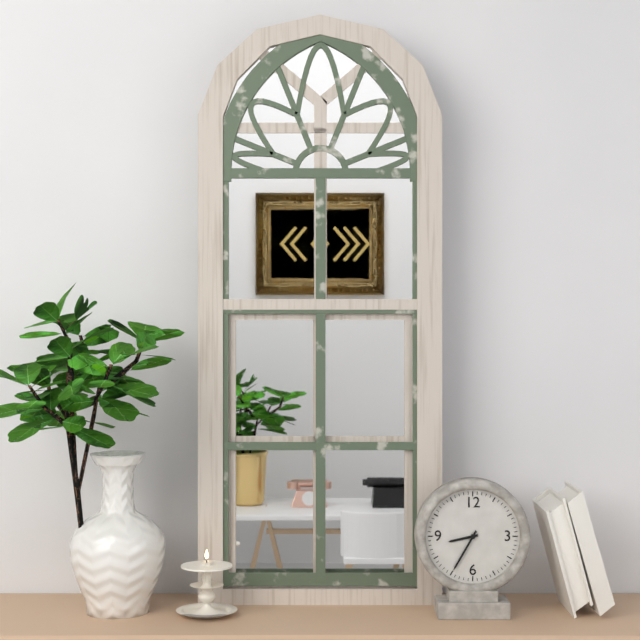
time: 8:35
